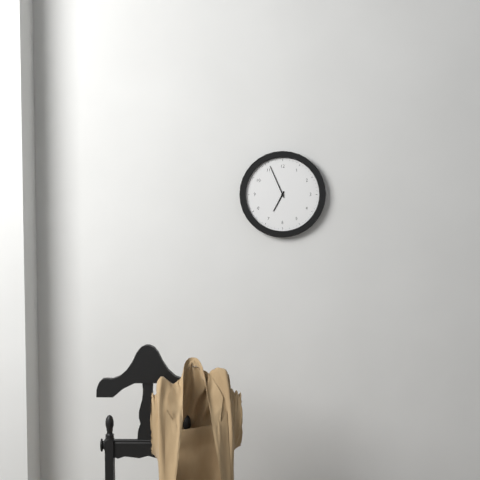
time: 6:56
